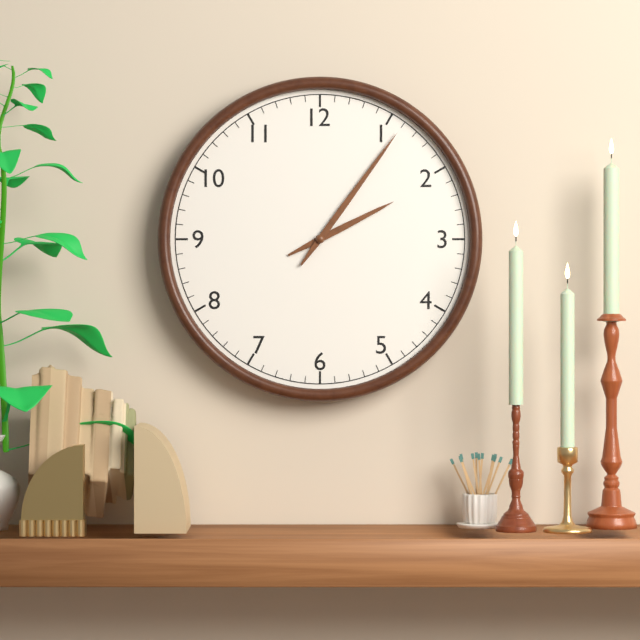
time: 2:06
